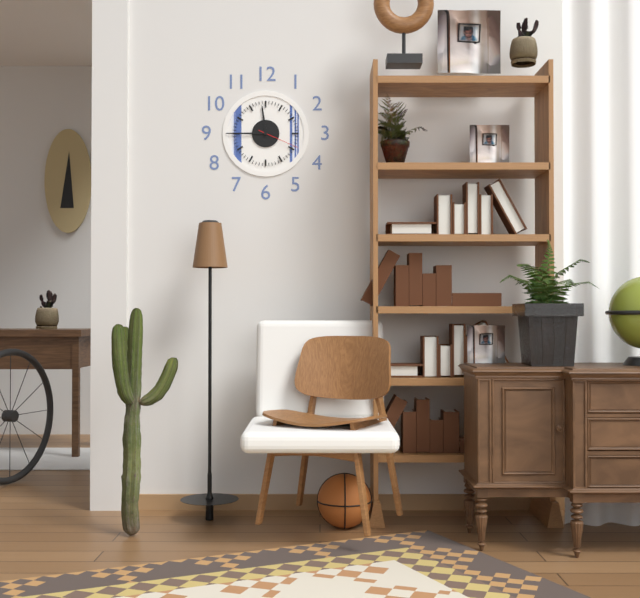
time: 11:45
